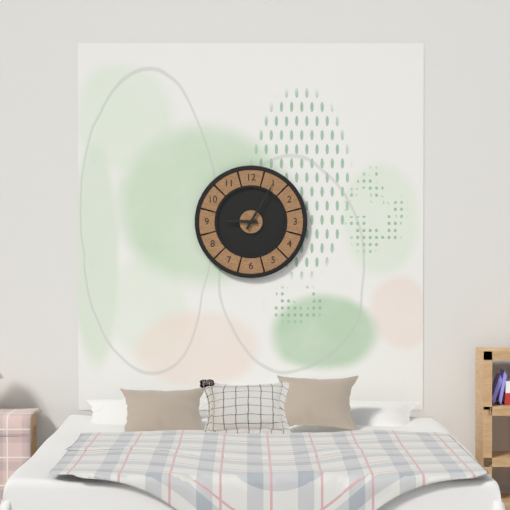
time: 9:05
